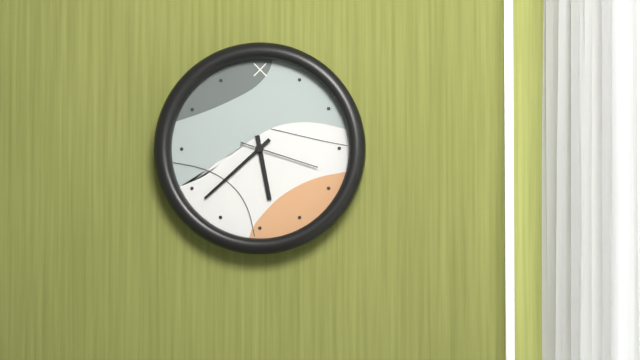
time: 5:38:18
